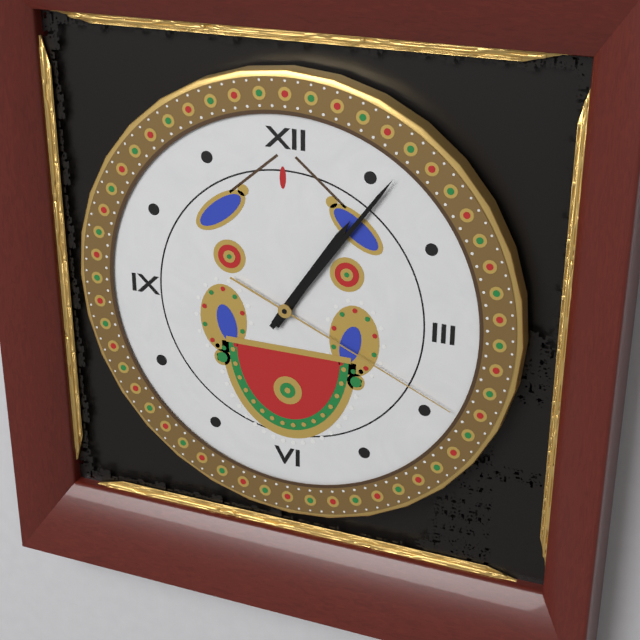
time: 1:06:19
